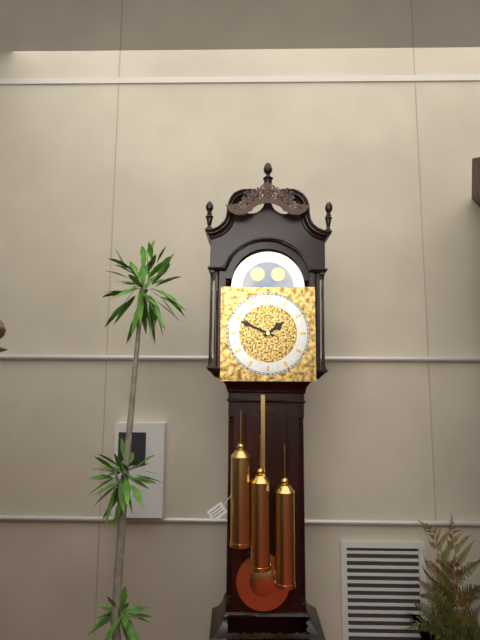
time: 1:49
